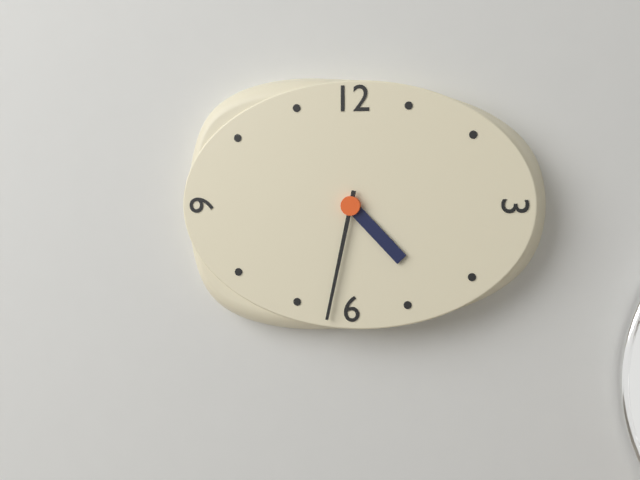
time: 4:32
